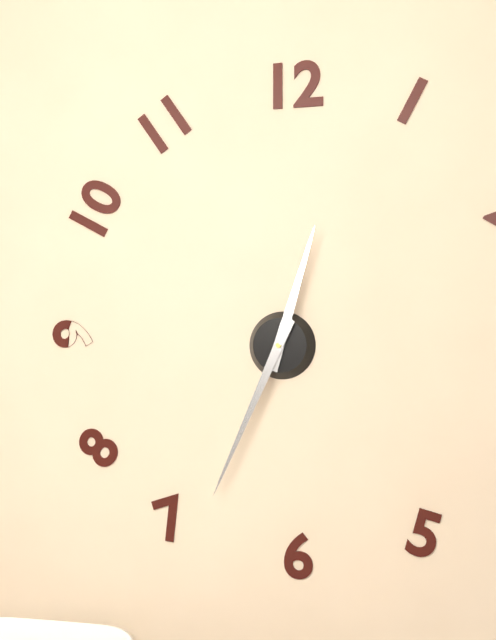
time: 12:34
